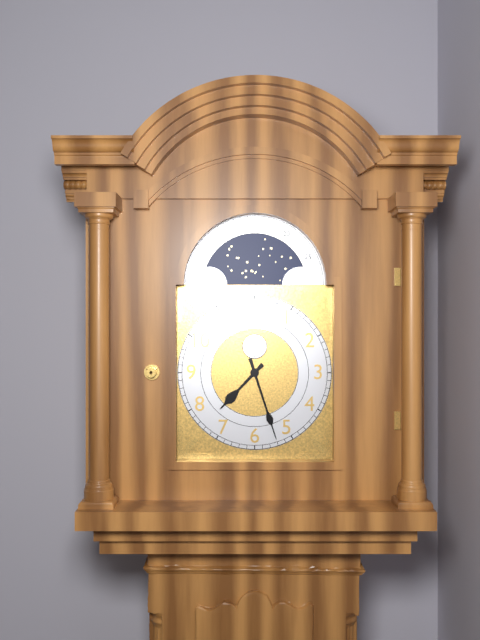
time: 7:27
